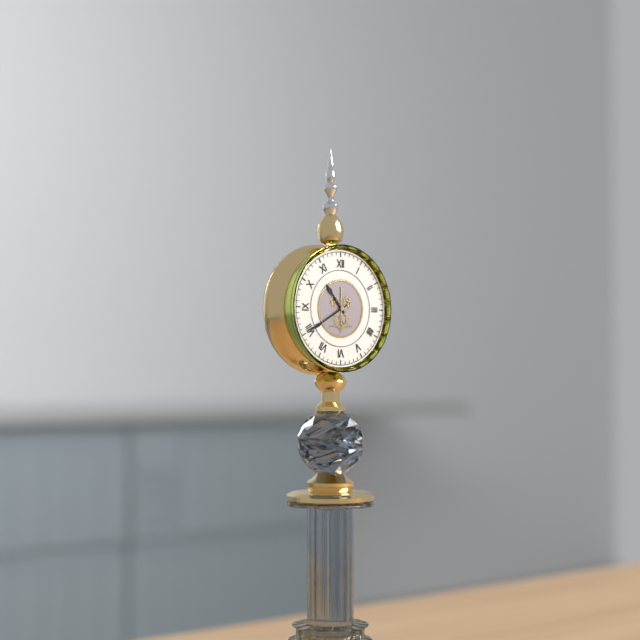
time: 10:40
